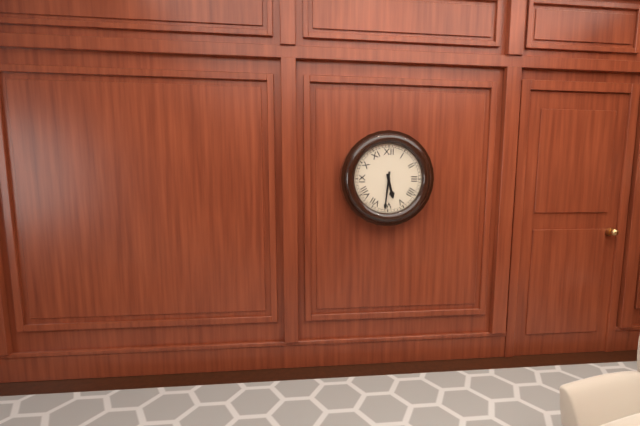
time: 5:31
